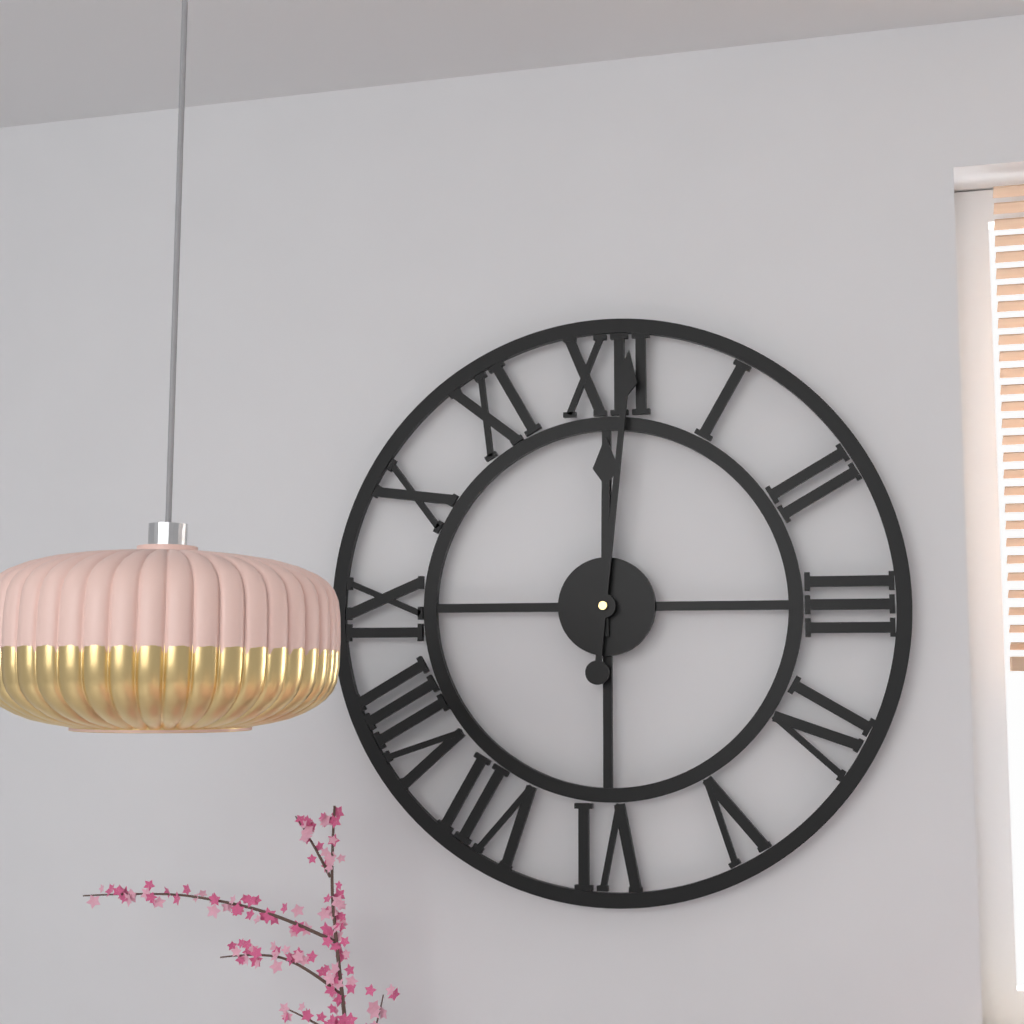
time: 12:01
